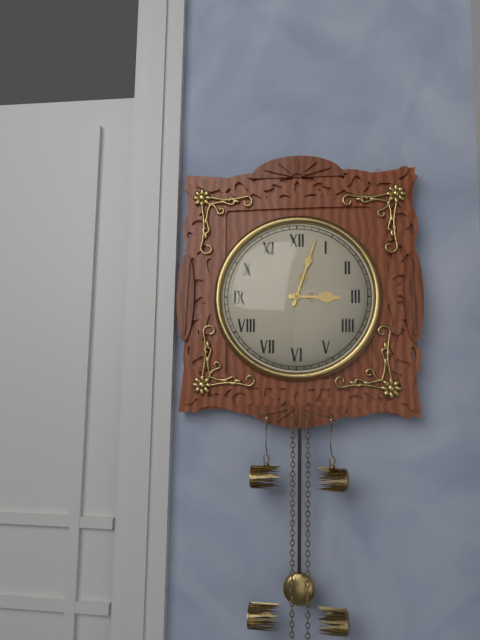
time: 3:03
